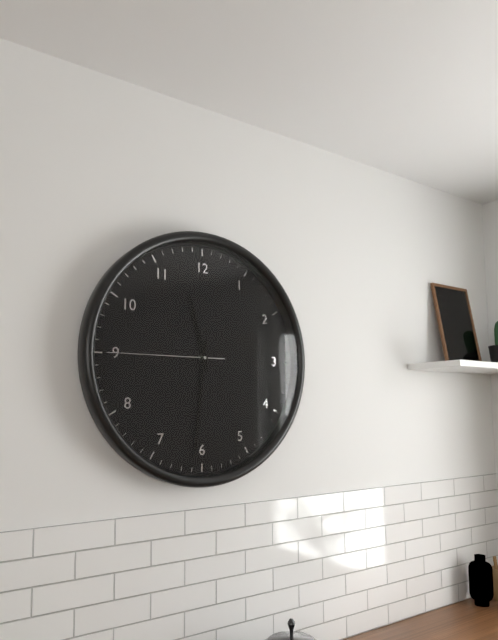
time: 11:31:45
